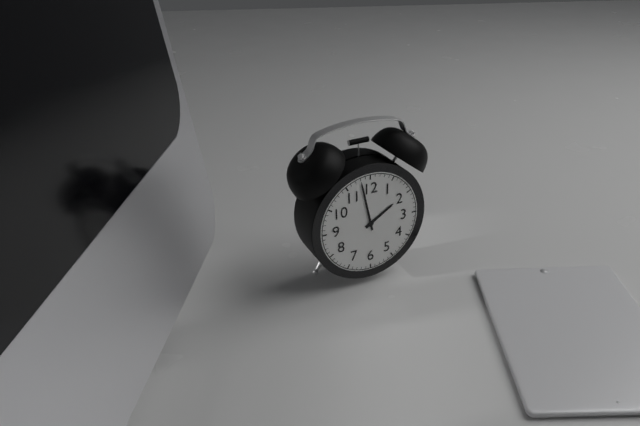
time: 1:58
